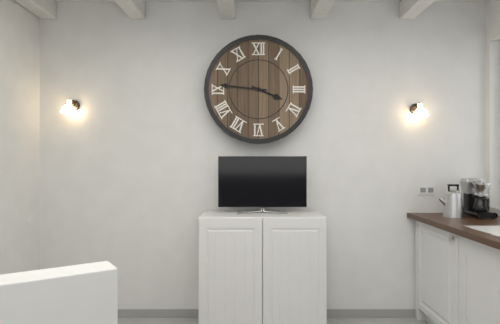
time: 3:46
